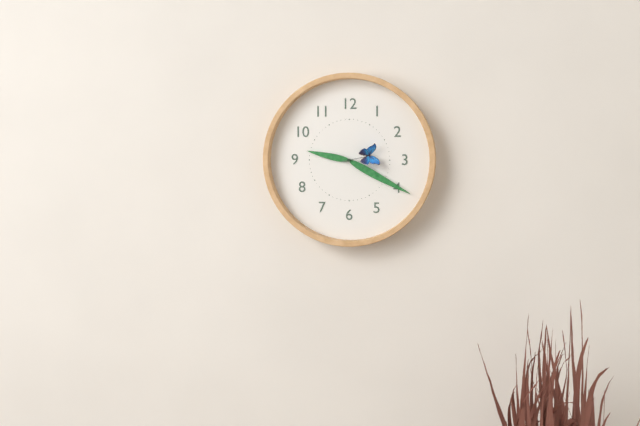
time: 9:20
